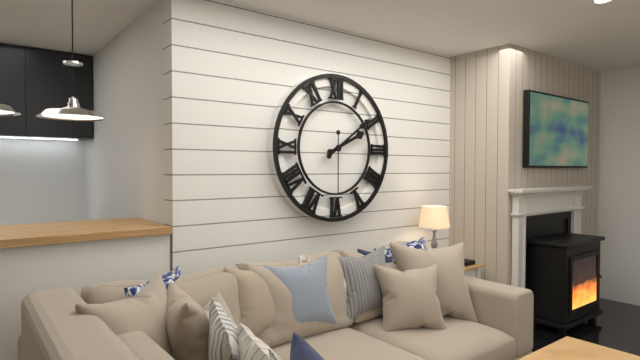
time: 2:09:30
